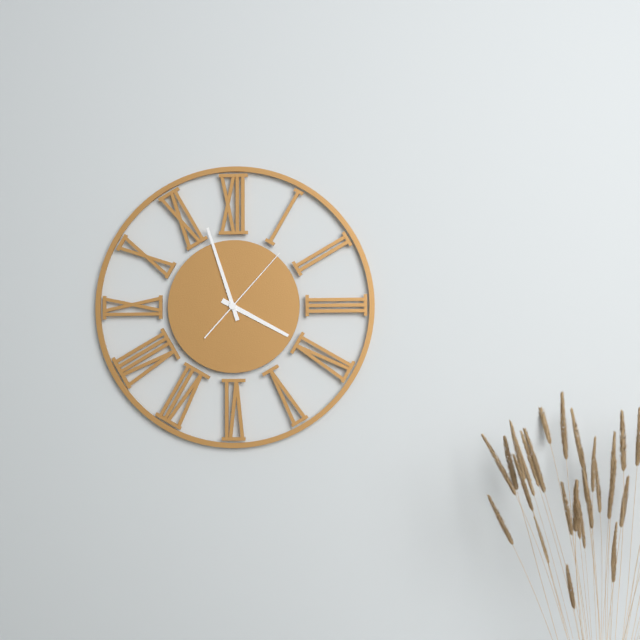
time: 3:57:07
